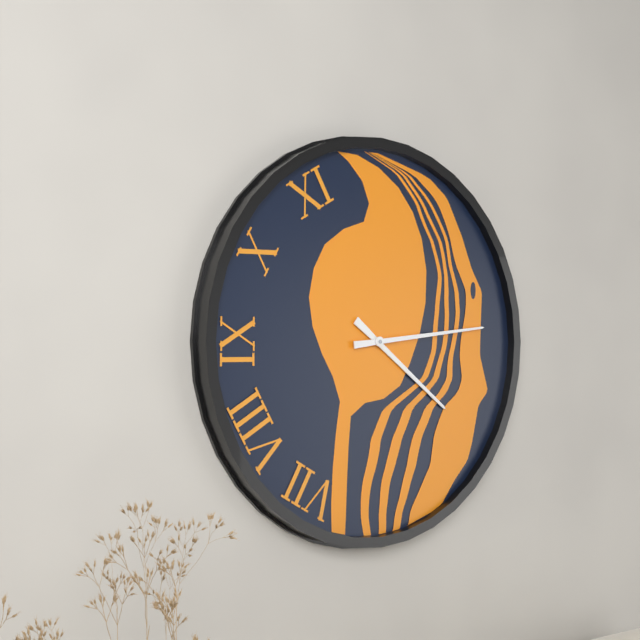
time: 4:14
